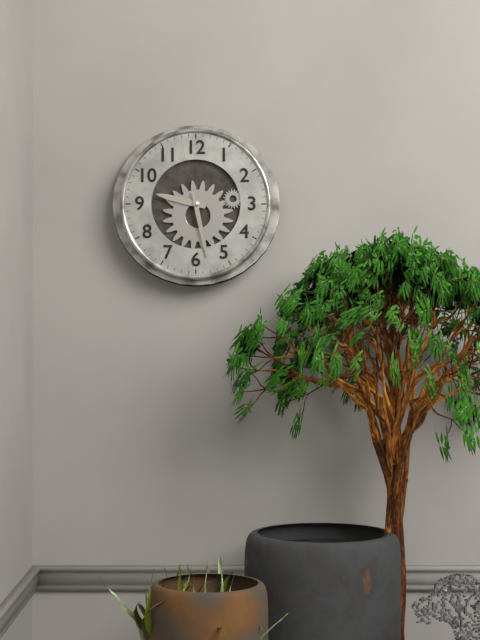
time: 9:28
